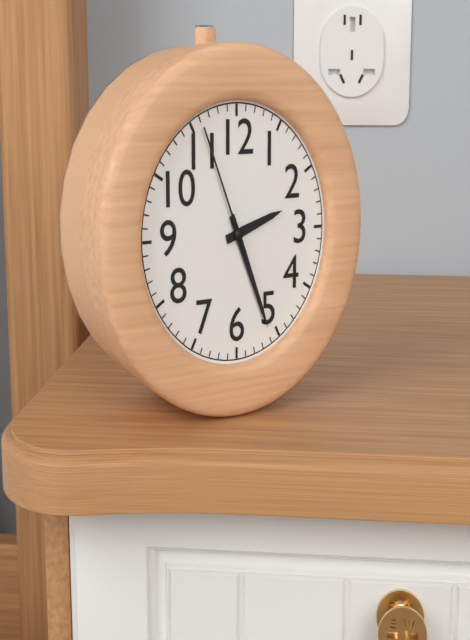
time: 2:26:56
